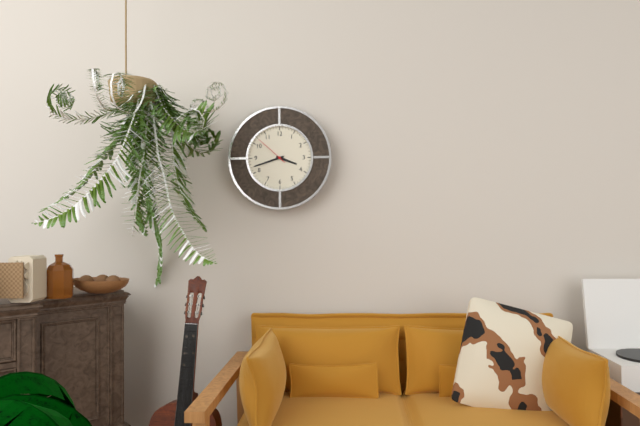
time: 3:42
